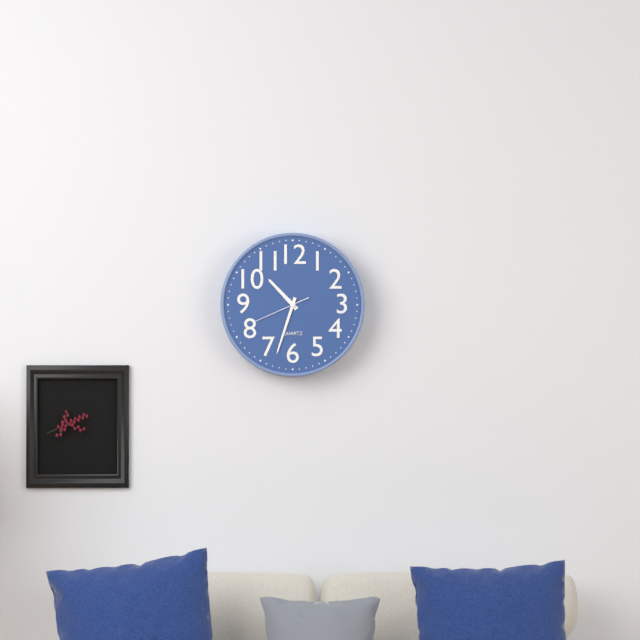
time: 10:33:41
